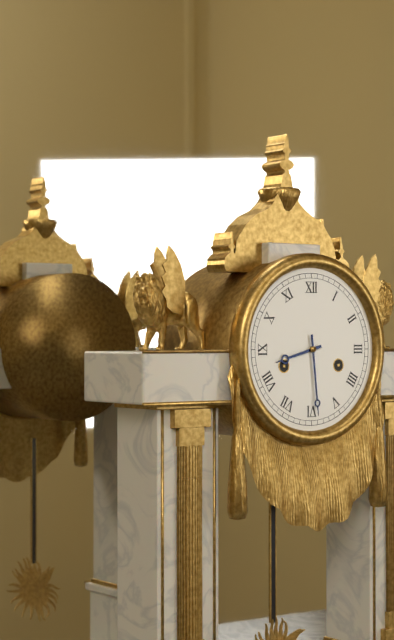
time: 8:29
